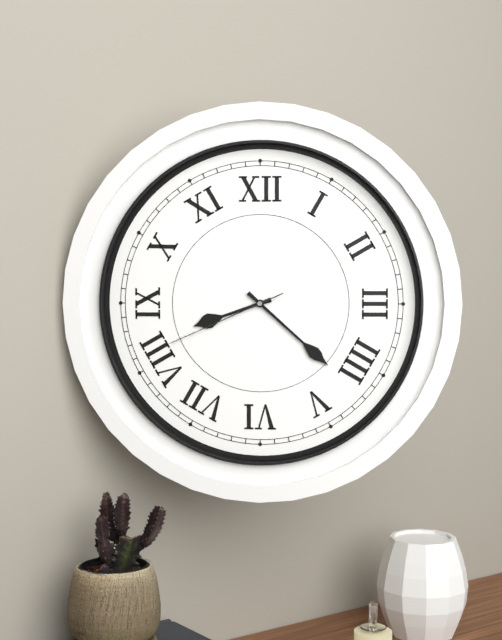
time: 8:22:41
